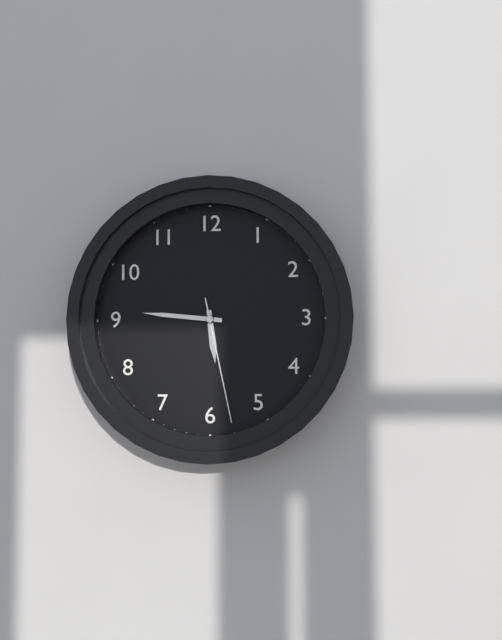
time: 5:46:28
